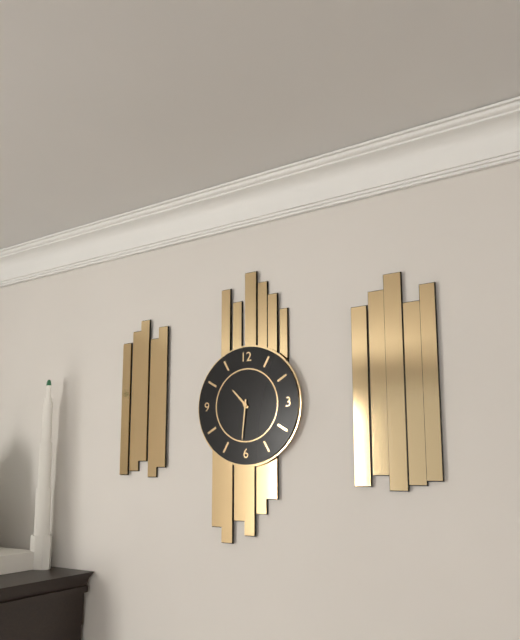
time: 10:31
